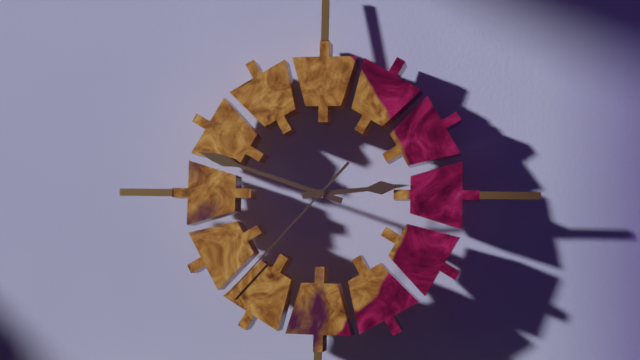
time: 2:48:37
